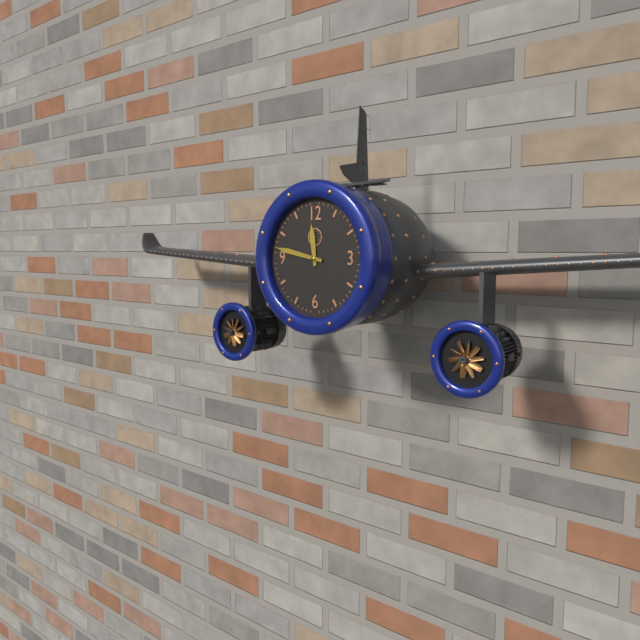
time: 11:47
